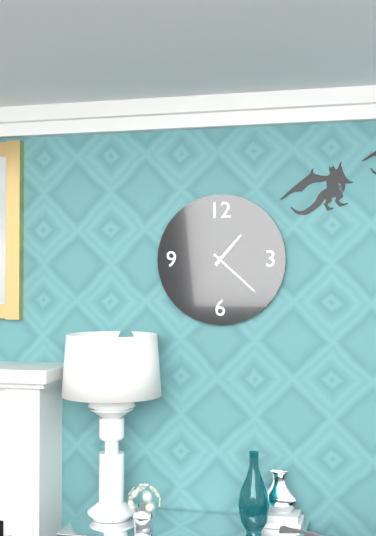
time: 1:22
